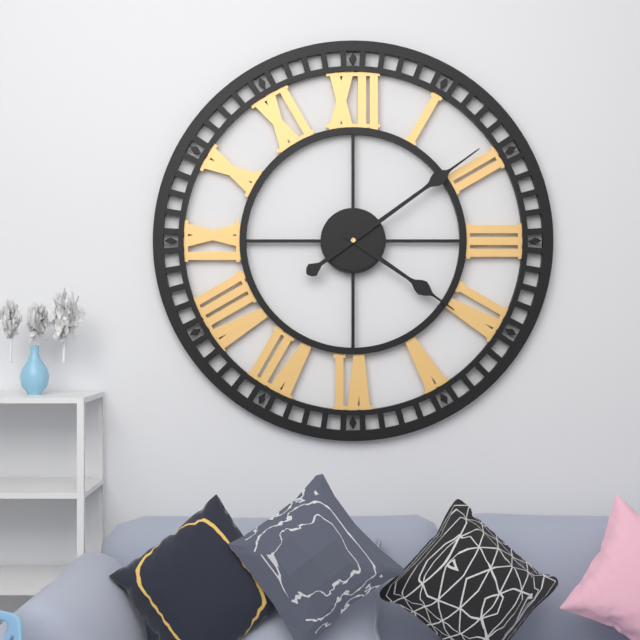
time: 4:09
